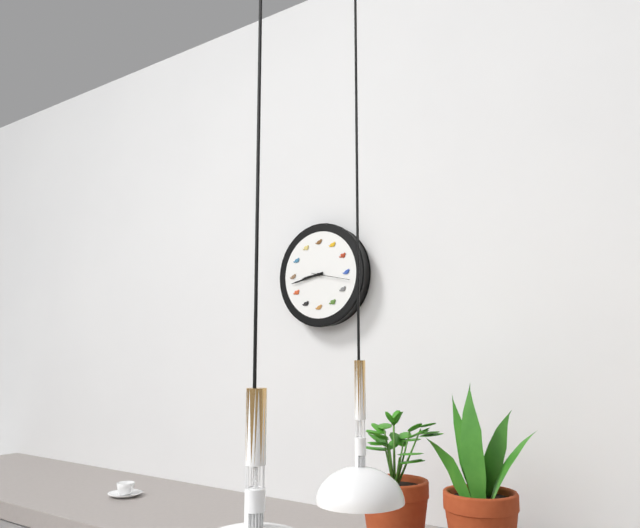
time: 8:43
